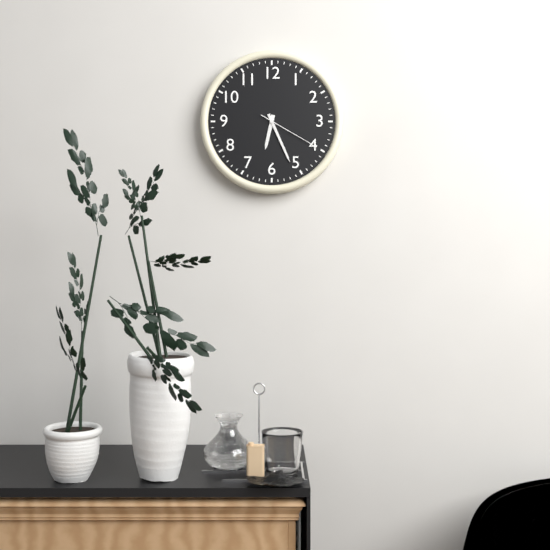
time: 6:26:20
